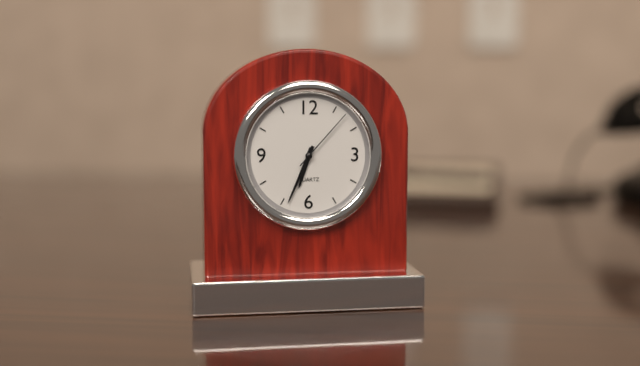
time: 6:34:07
